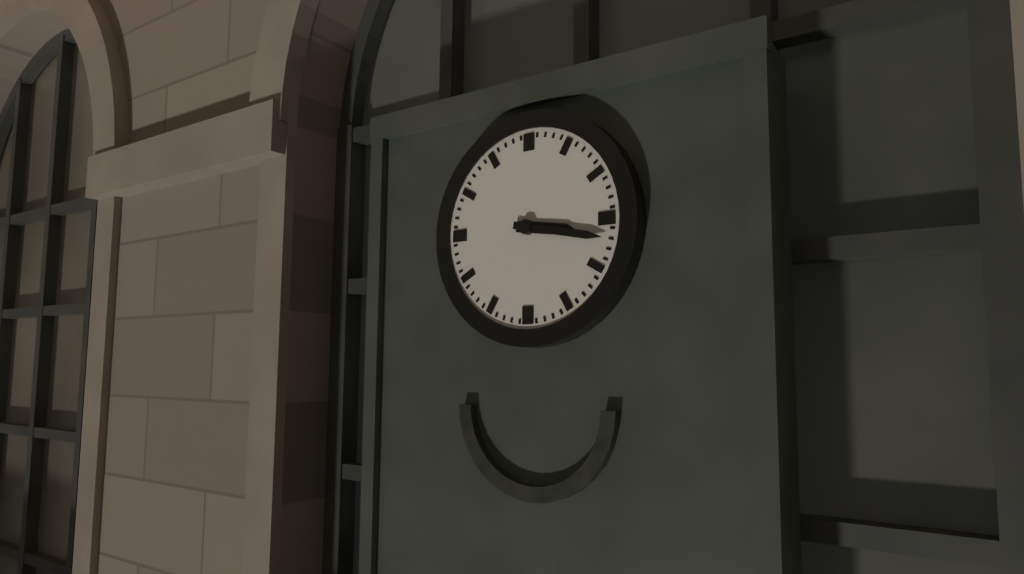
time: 3:17
